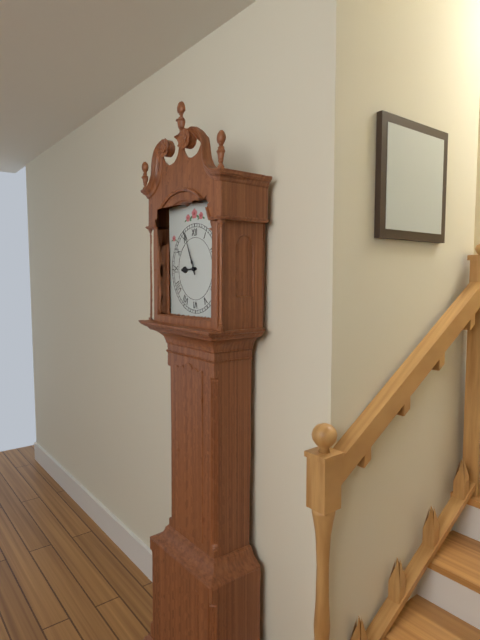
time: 8:56
